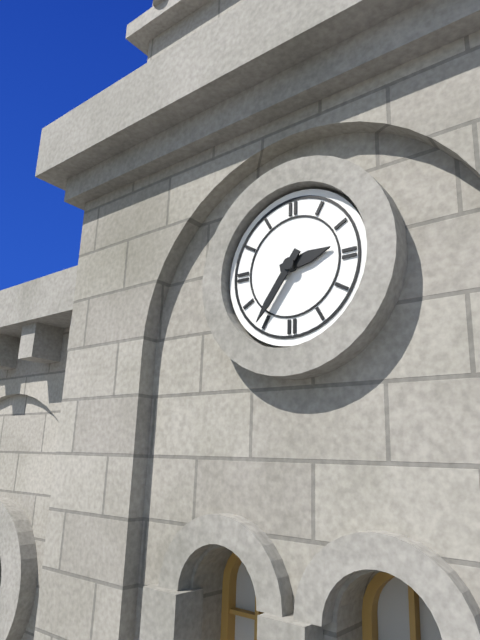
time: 2:36
